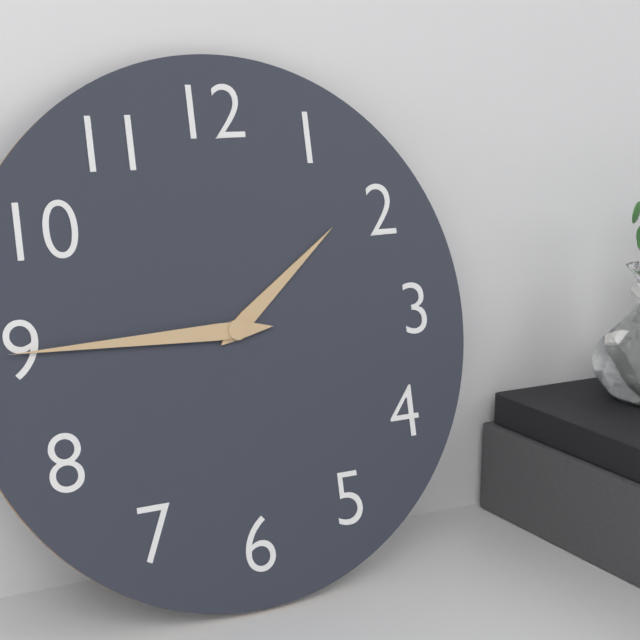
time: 1:45
